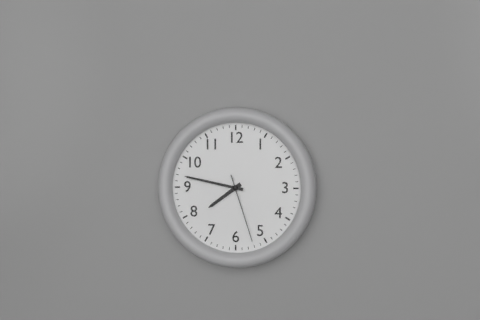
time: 7:47:27
